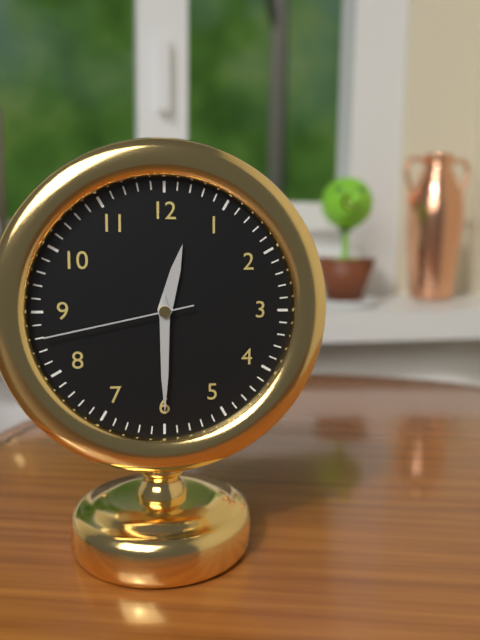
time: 12:30:43
